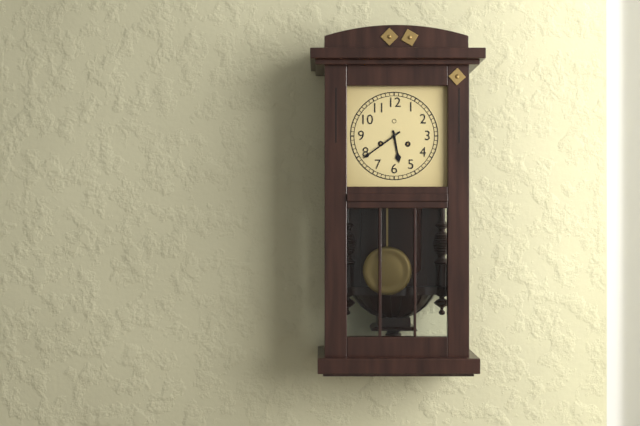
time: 5:39
